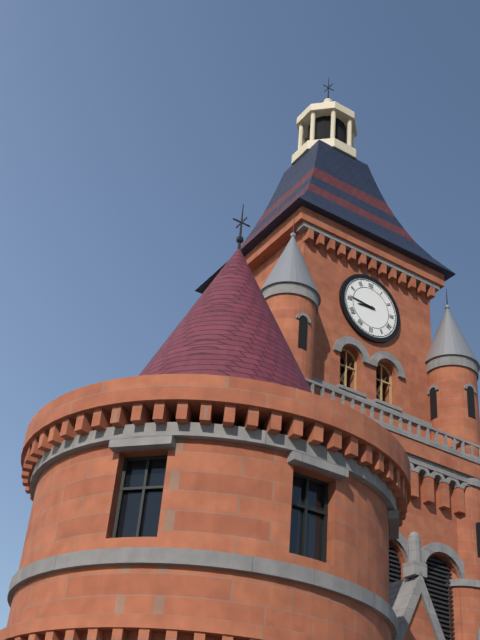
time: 8:46
